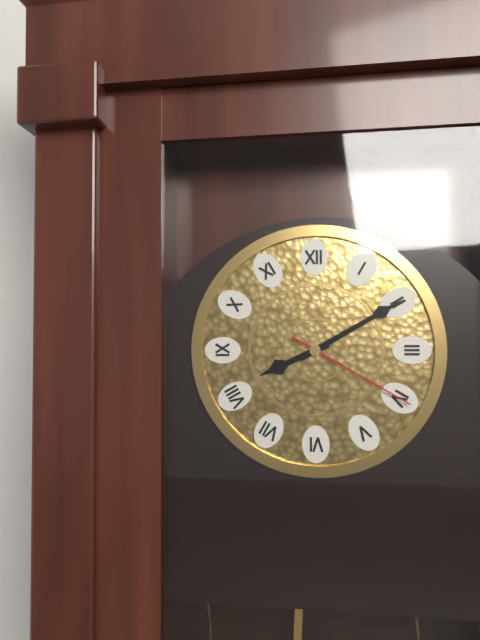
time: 8:10:20
